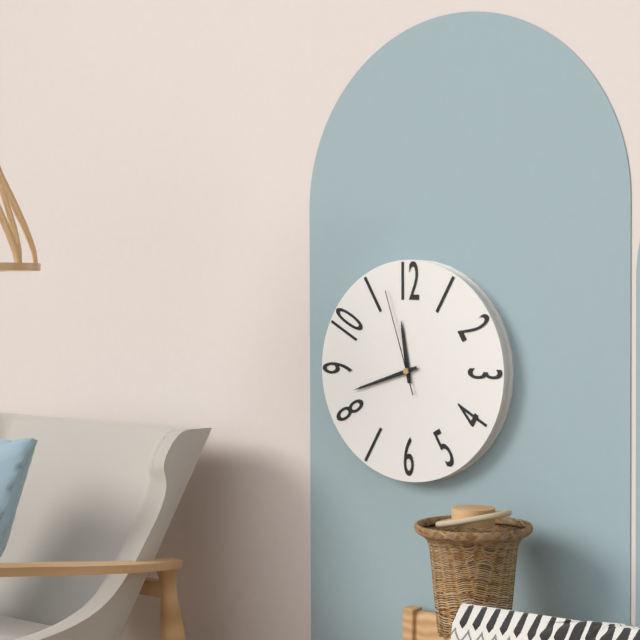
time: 11:42:57
